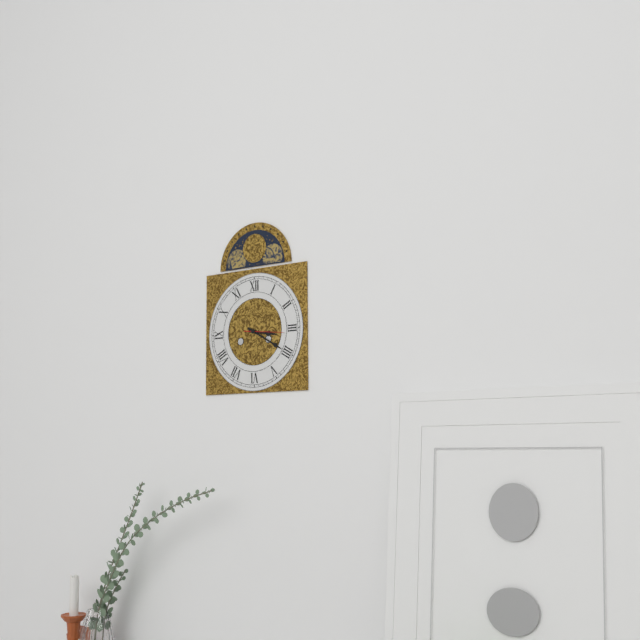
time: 3:20
